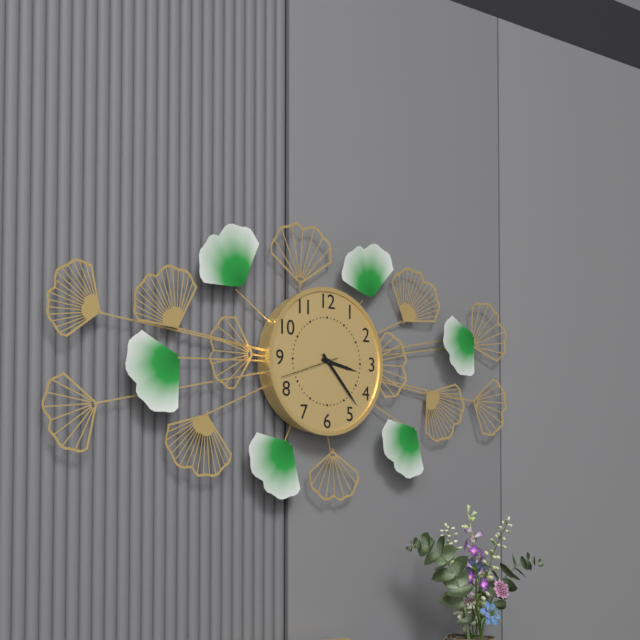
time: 3:23:42
